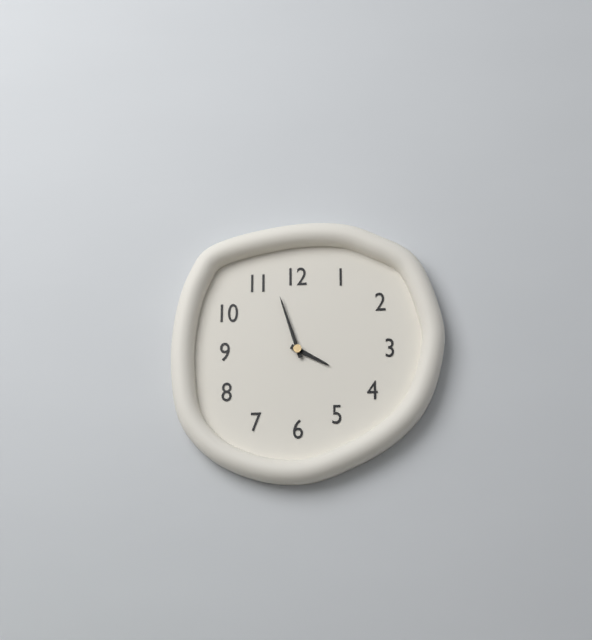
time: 3:57
